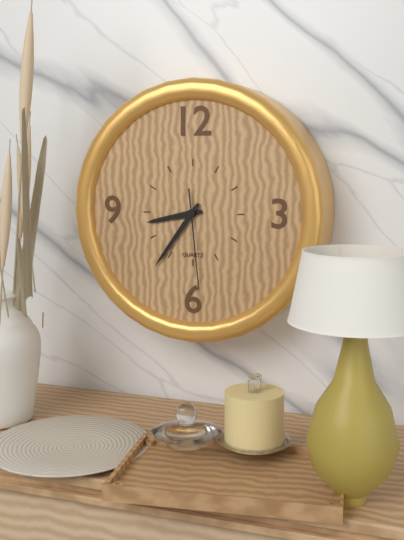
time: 8:36:29
